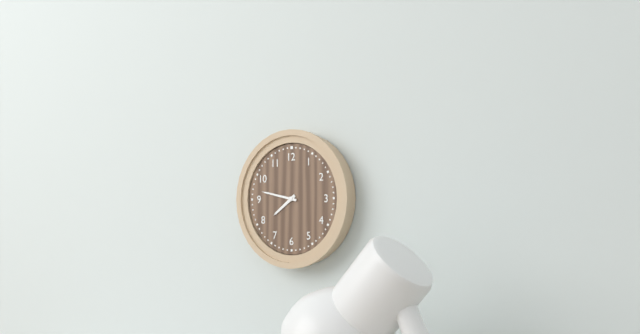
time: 7:47
